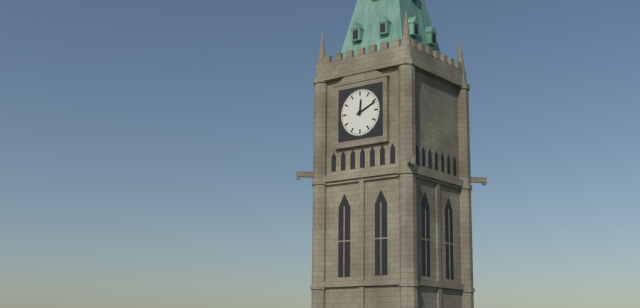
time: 12:11
